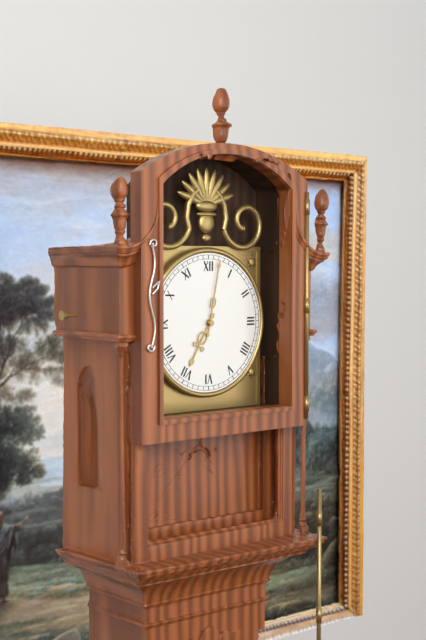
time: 7:02
